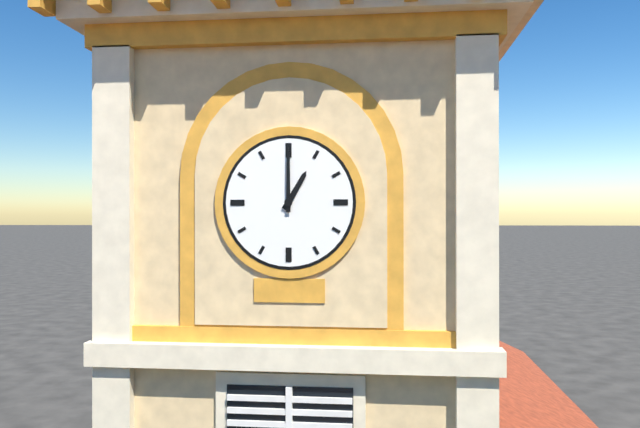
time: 1:00
